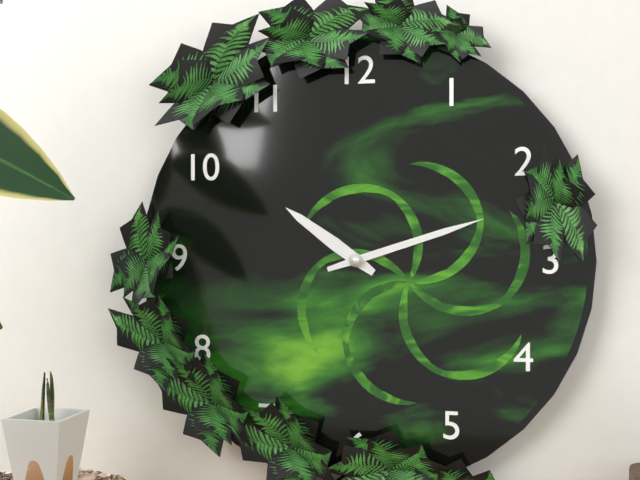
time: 10:12
